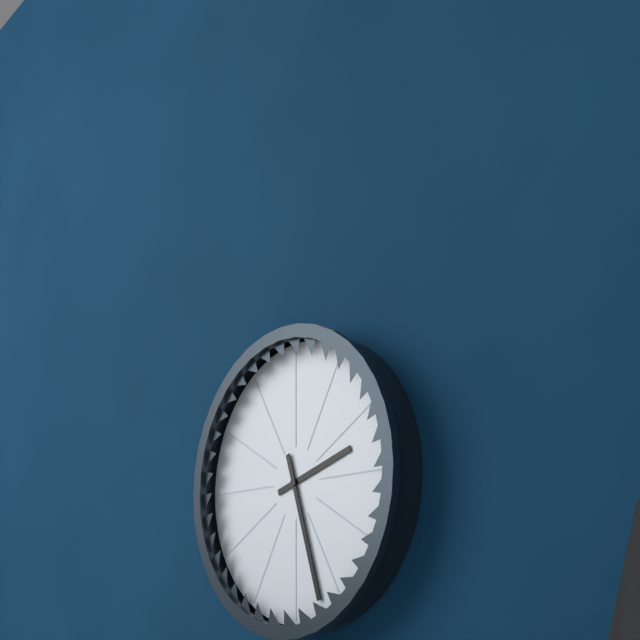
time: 2:27
